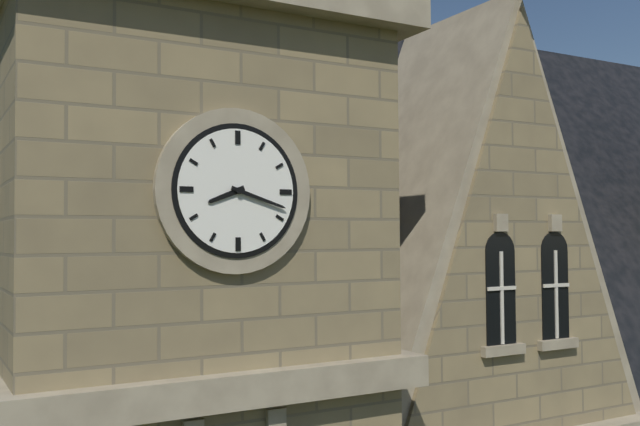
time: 8:18
